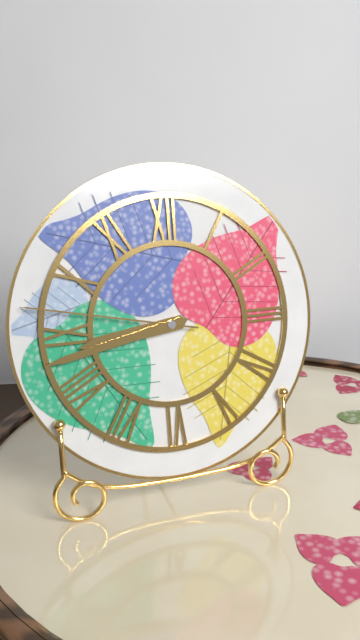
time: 8:43:47
